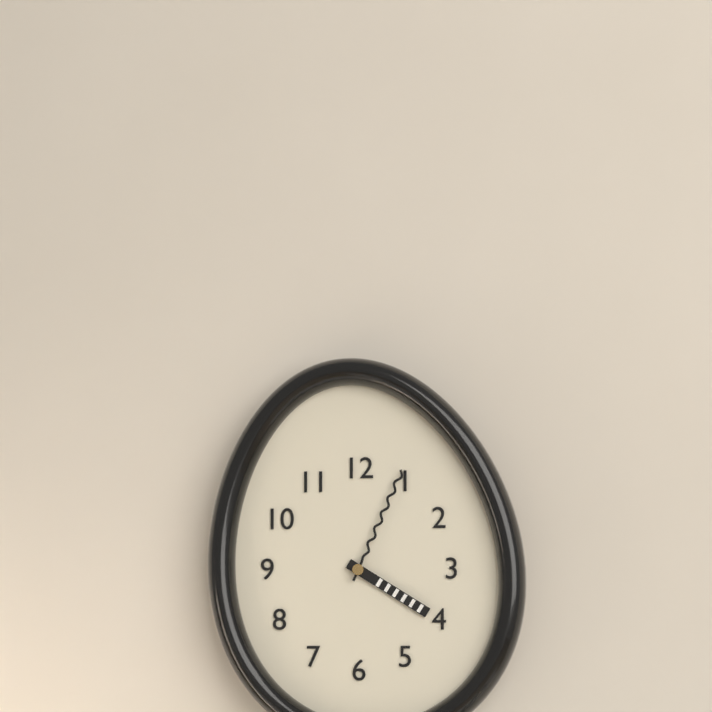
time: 4:04
